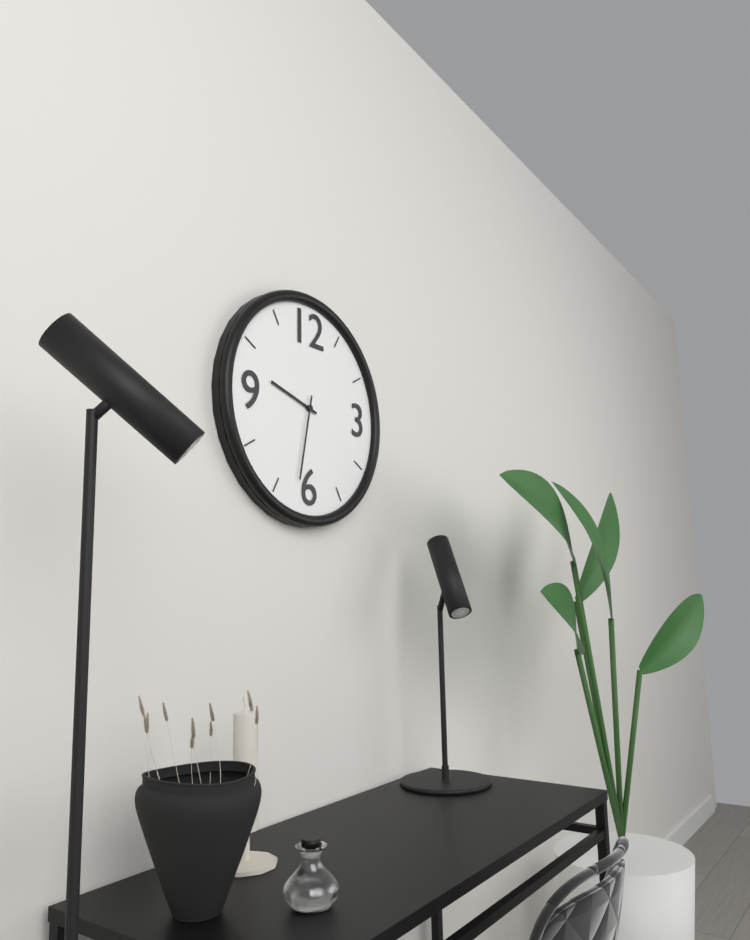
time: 9:32
